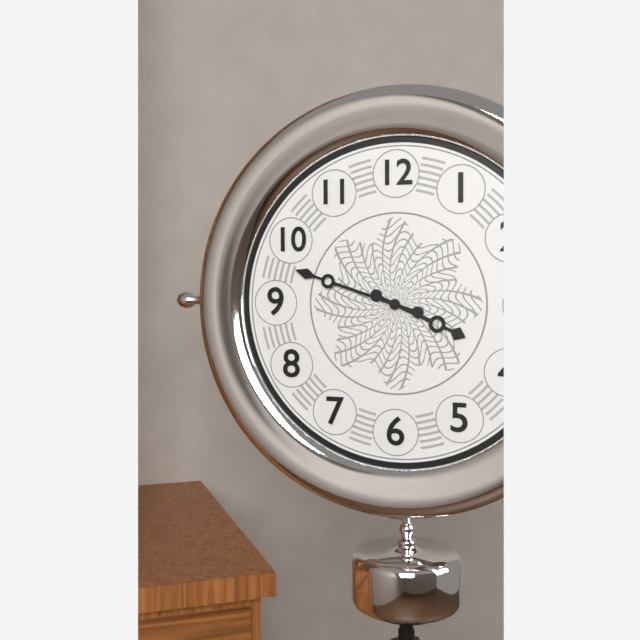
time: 3:48
